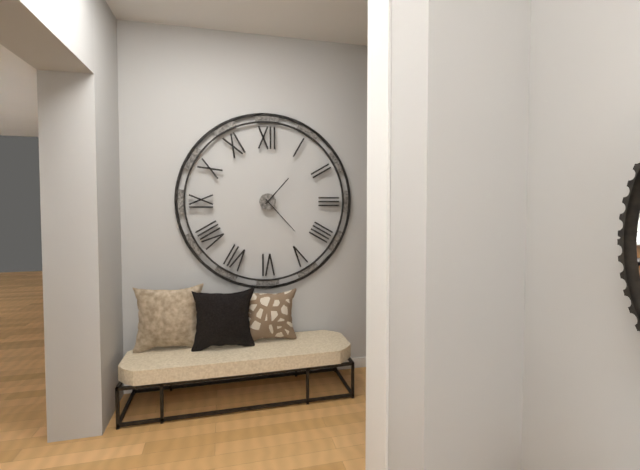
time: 1:23
